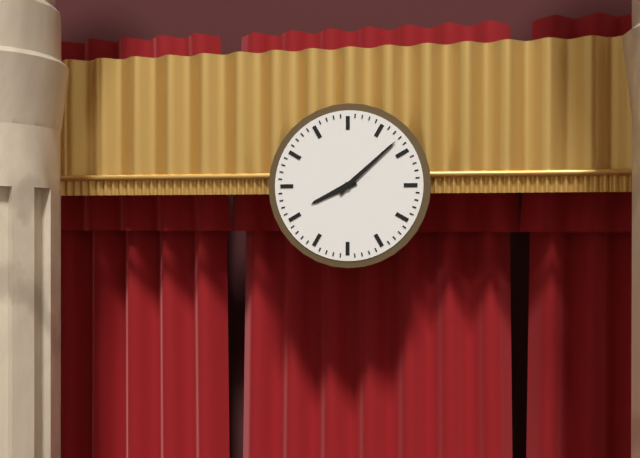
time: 8:08
